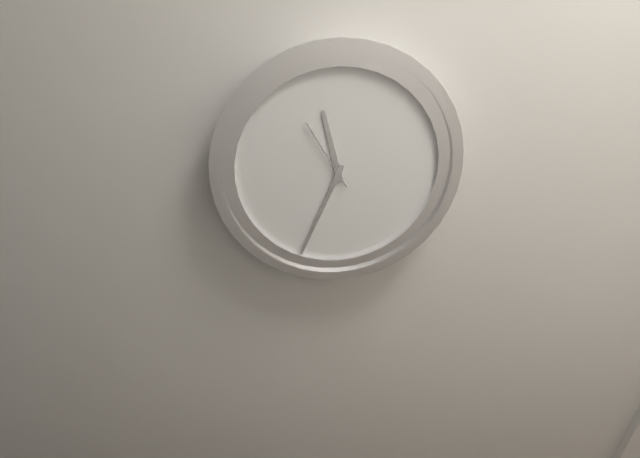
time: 11:34:55
